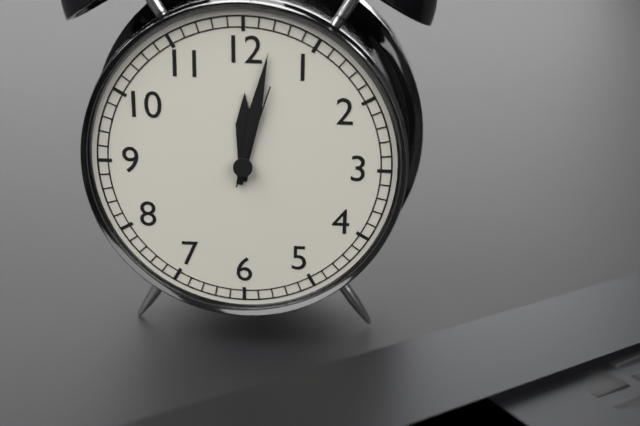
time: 12:02:03
